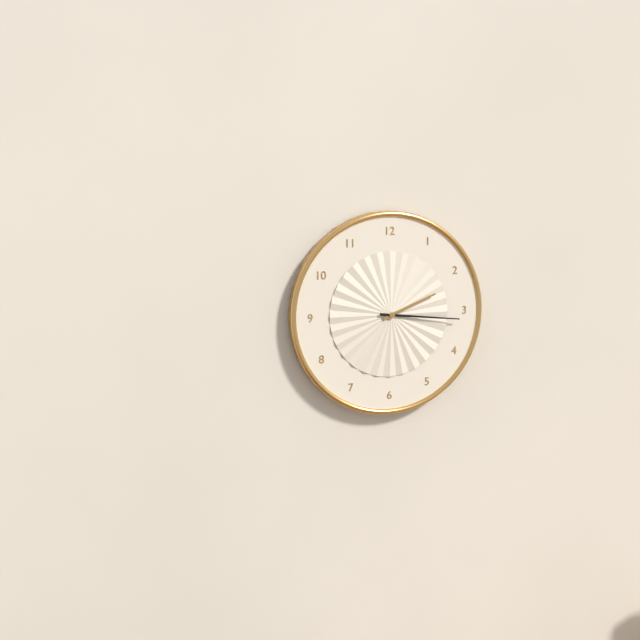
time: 2:16
